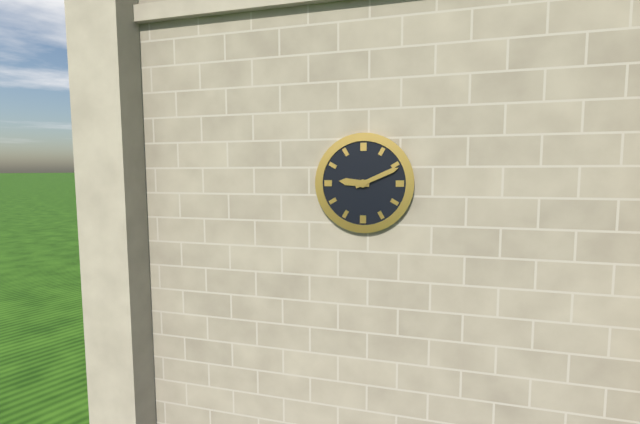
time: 9:11
